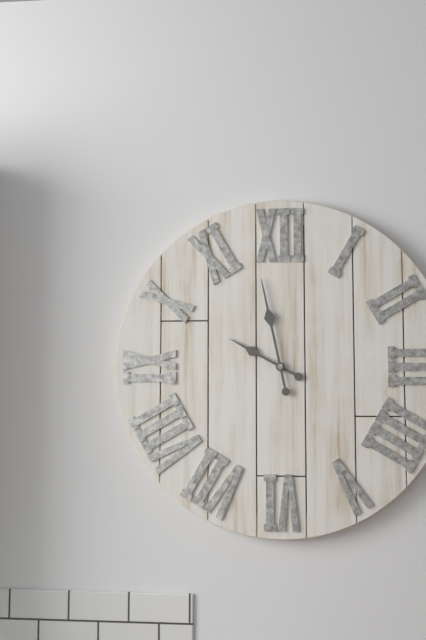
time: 9:58
